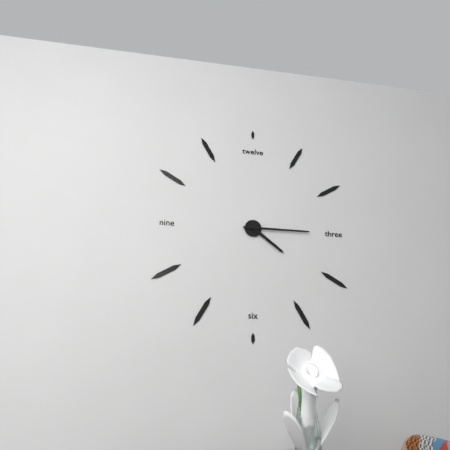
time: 4:15
